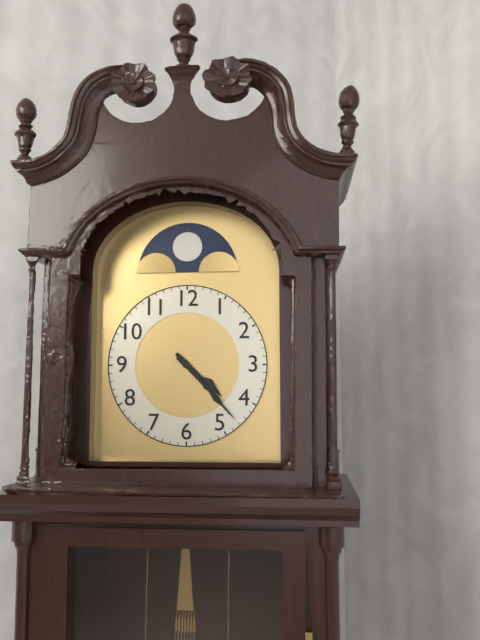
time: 4:23
